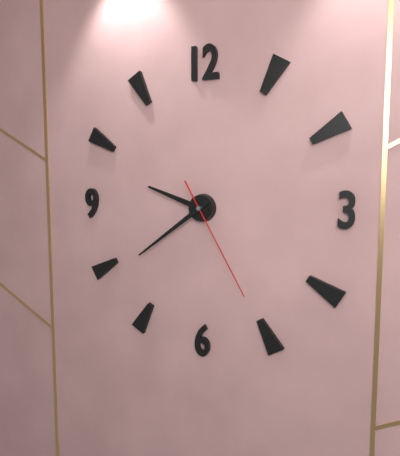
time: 9:39:25
